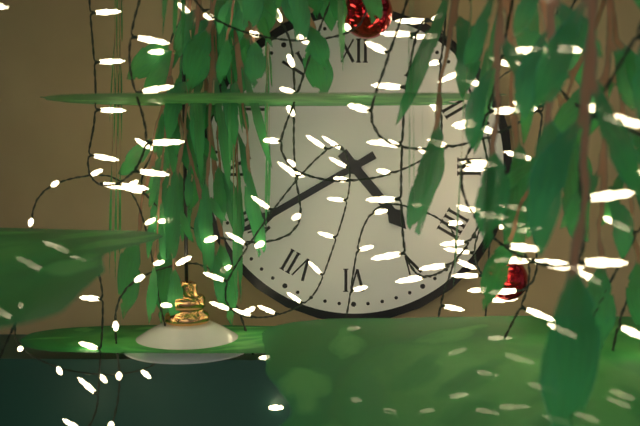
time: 4:40
